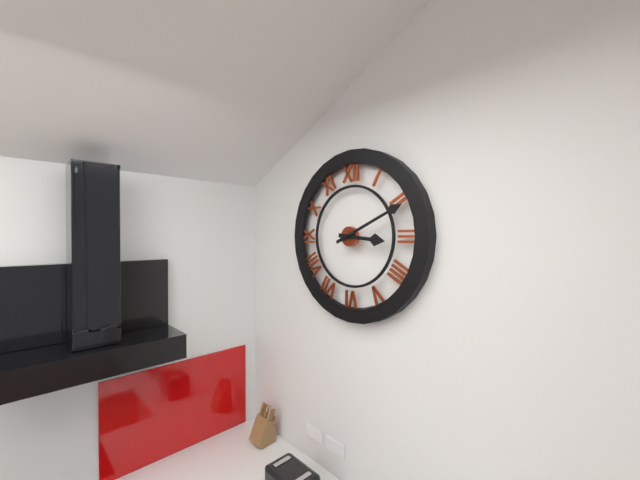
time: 3:11
